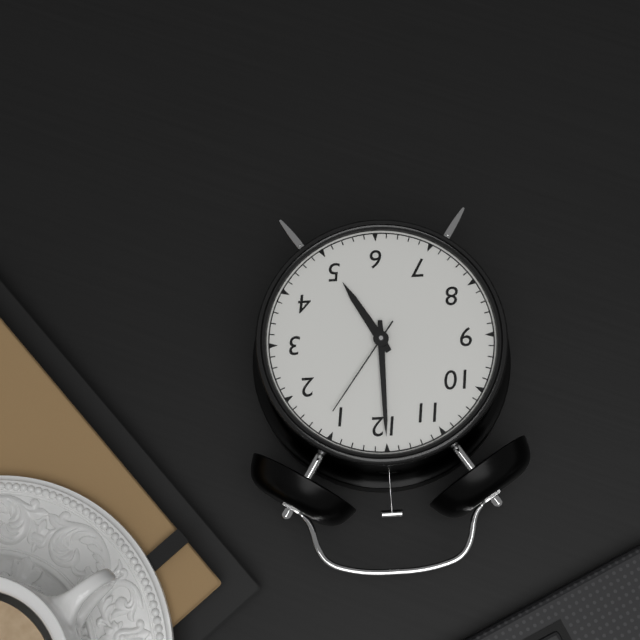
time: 5:00:06
